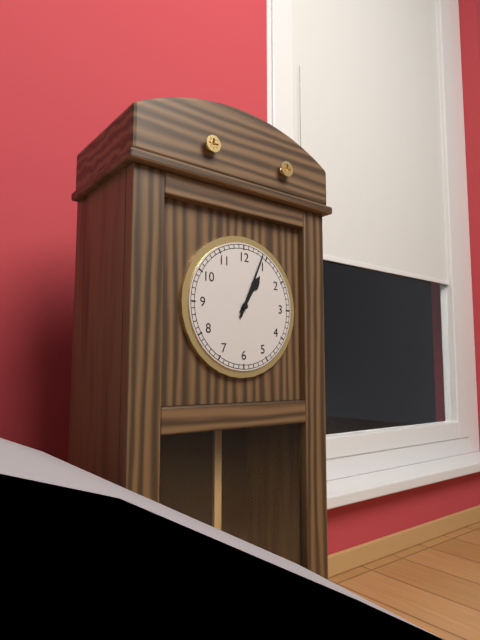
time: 1:04
